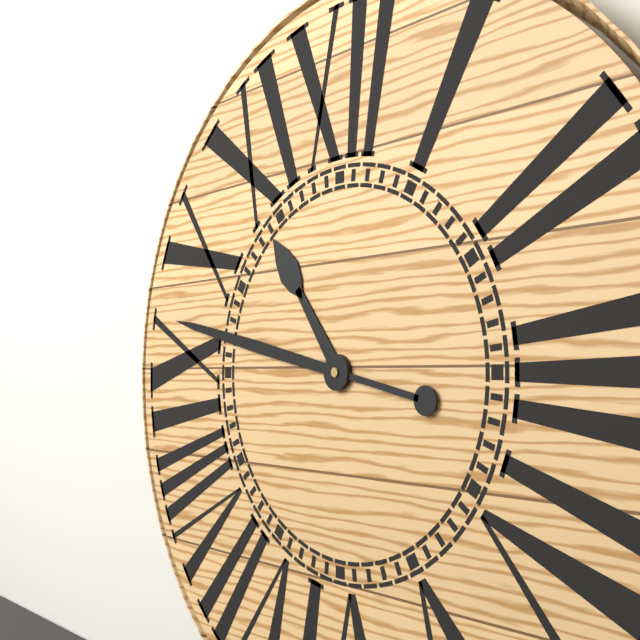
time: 10:47
